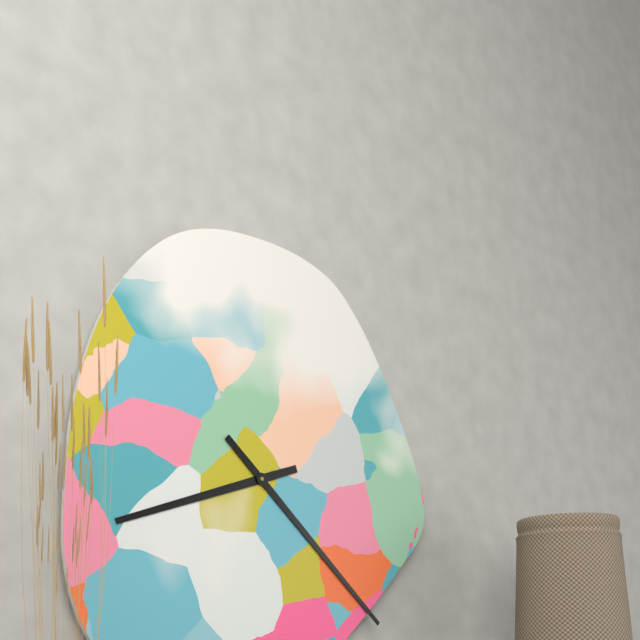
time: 8:22
